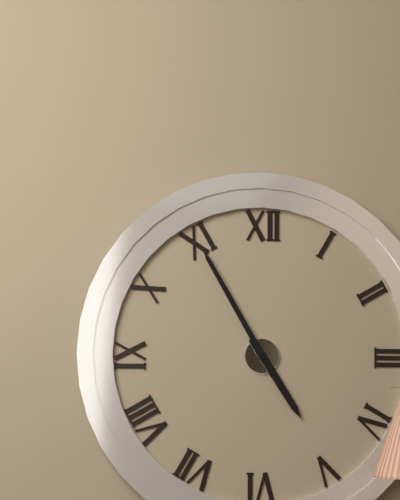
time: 4:55
